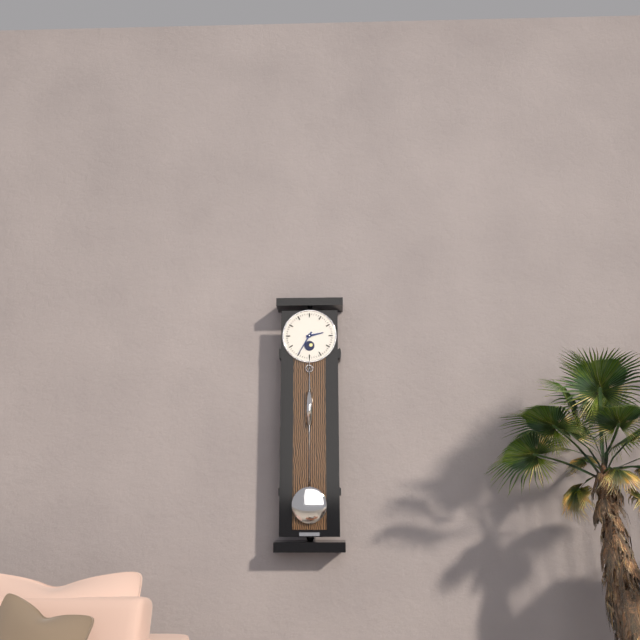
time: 2:35
